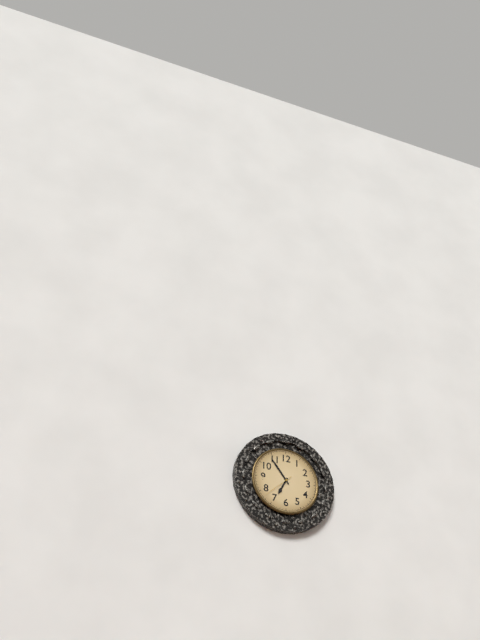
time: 6:54
